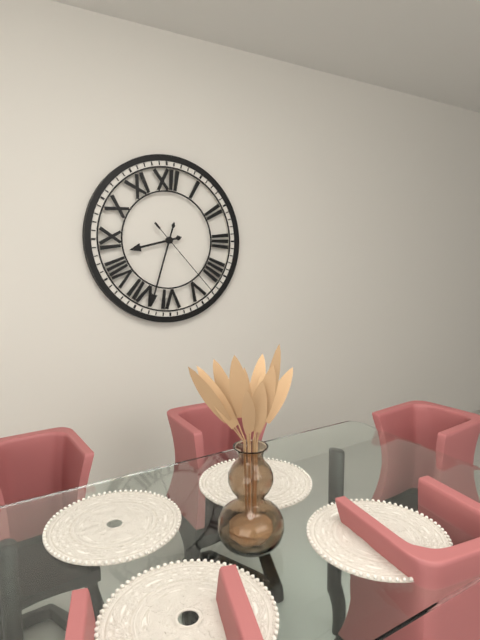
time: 8:33:23
